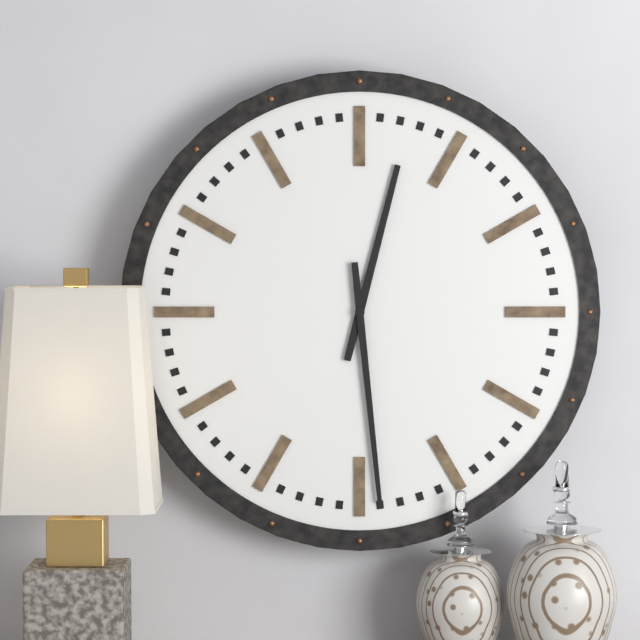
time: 12:29
